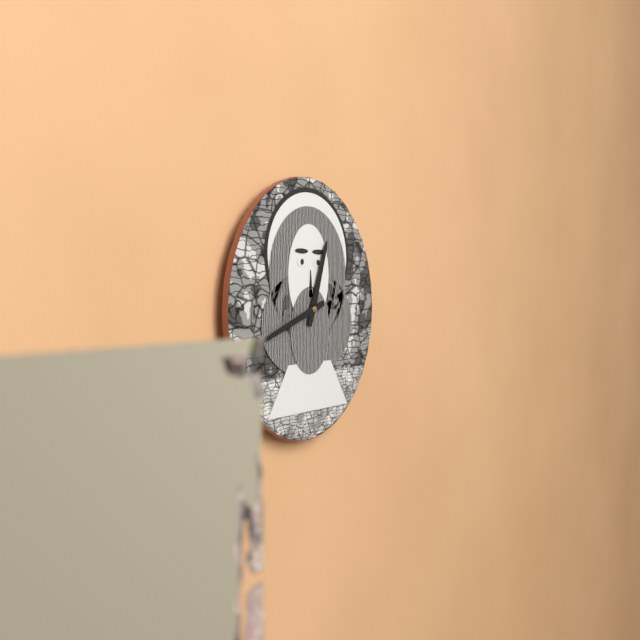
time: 12:42
